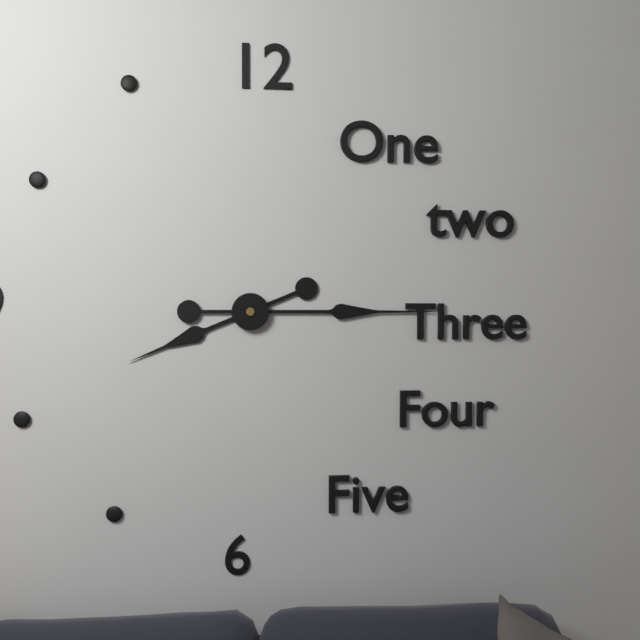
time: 8:15
